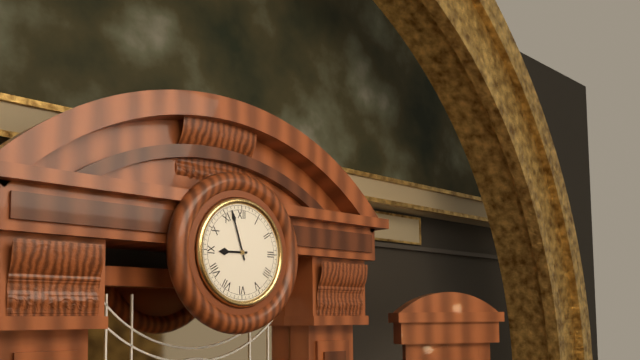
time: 8:57
